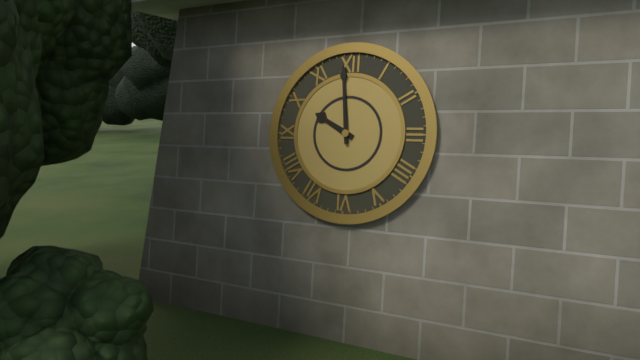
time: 9:59
